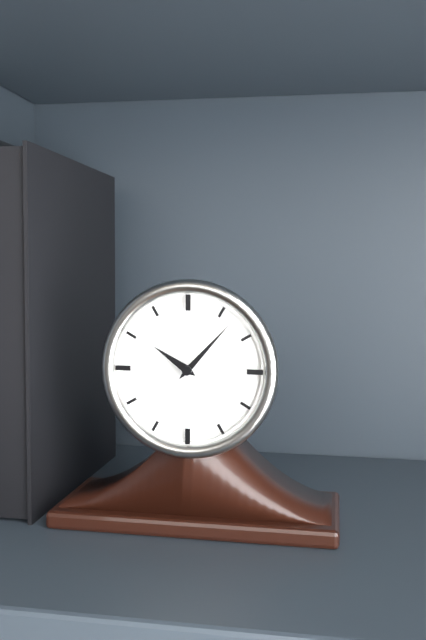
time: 10:07
